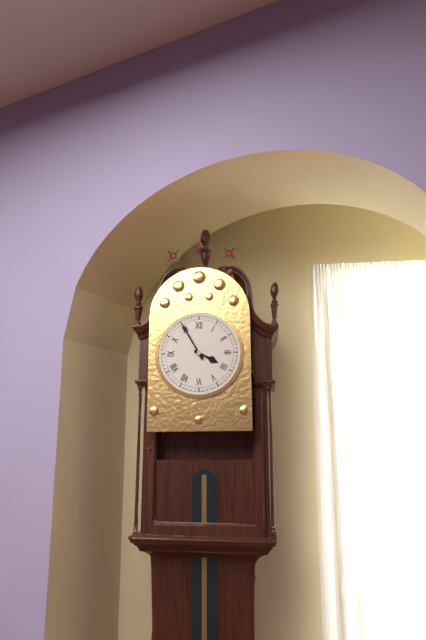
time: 3:55
